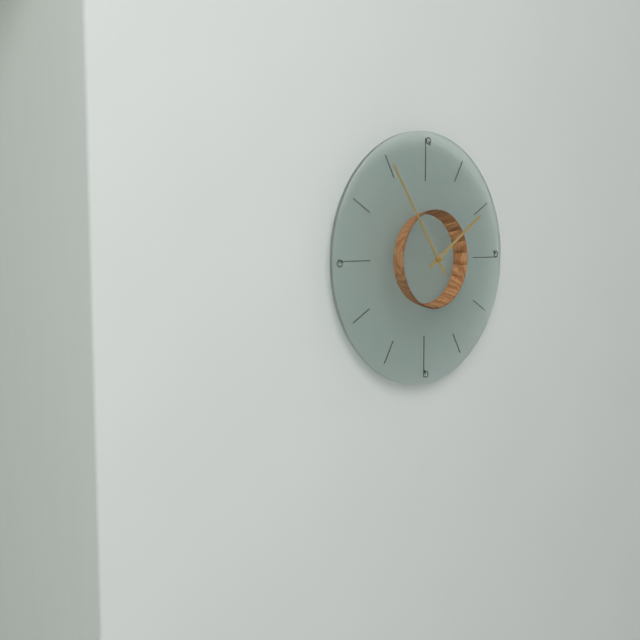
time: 1:54
